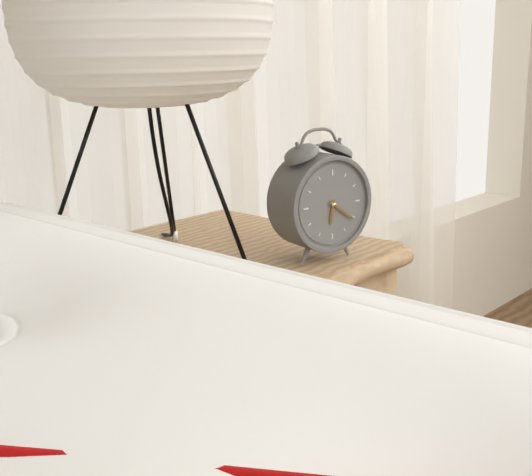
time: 6:21
